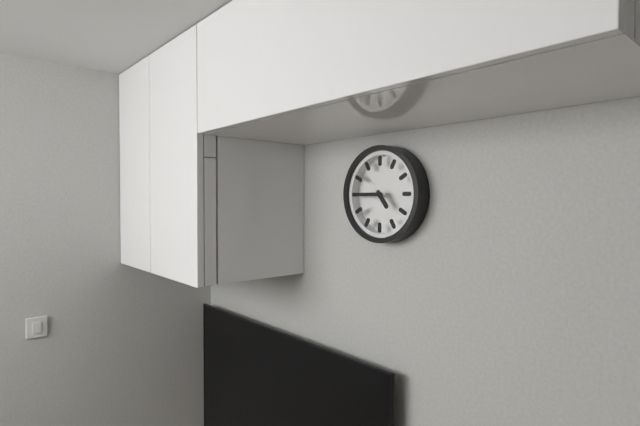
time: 4:45
